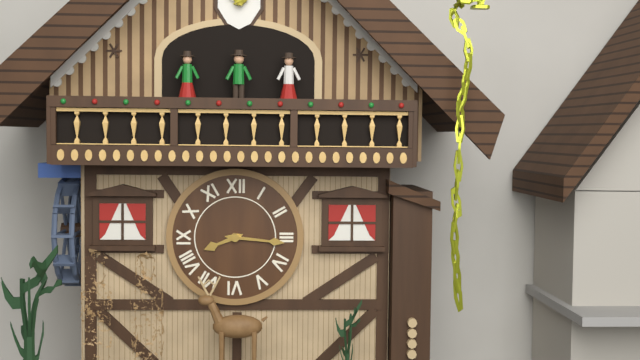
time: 8:16
